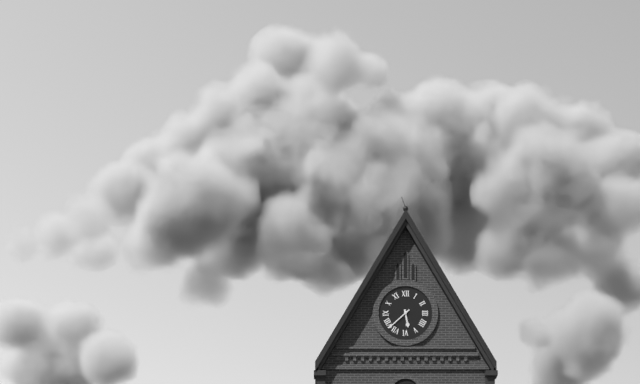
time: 5:38
